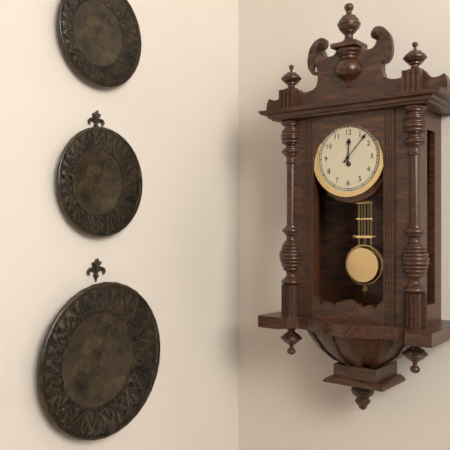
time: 12:07
